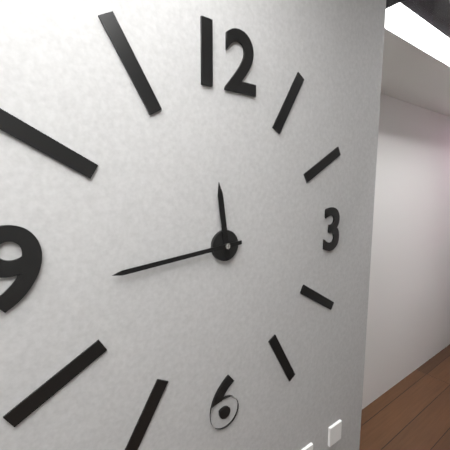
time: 11:44
